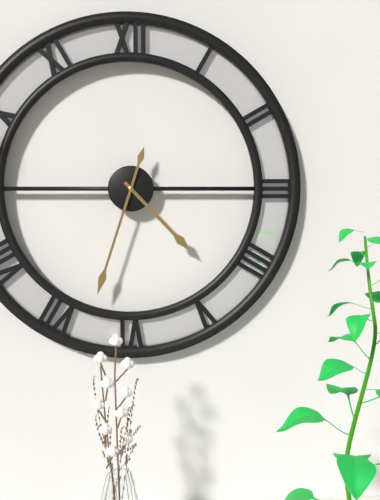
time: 4:33
